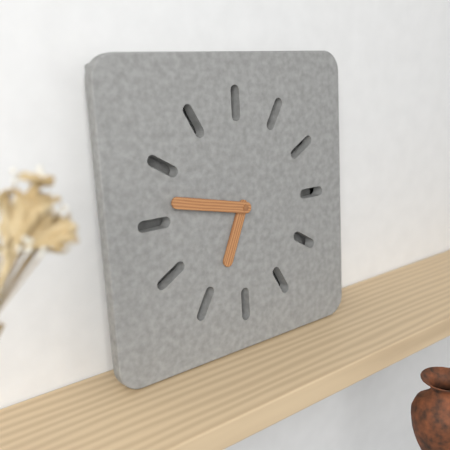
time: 6:47
